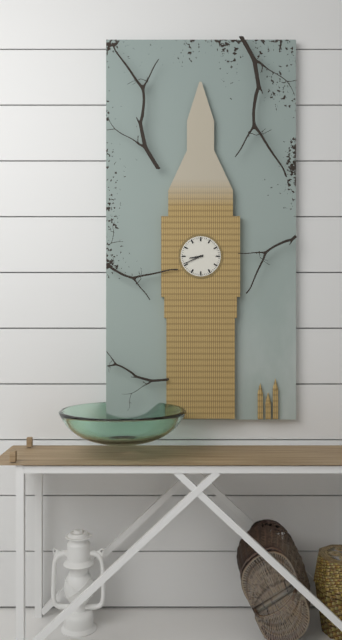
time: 8:41
